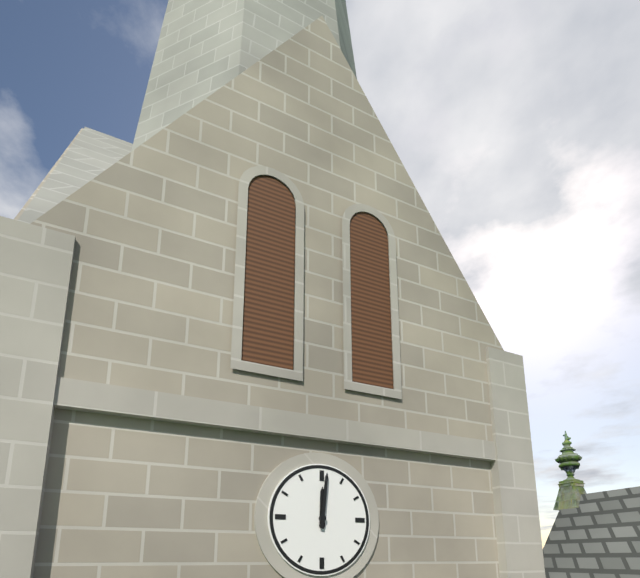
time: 12:01
